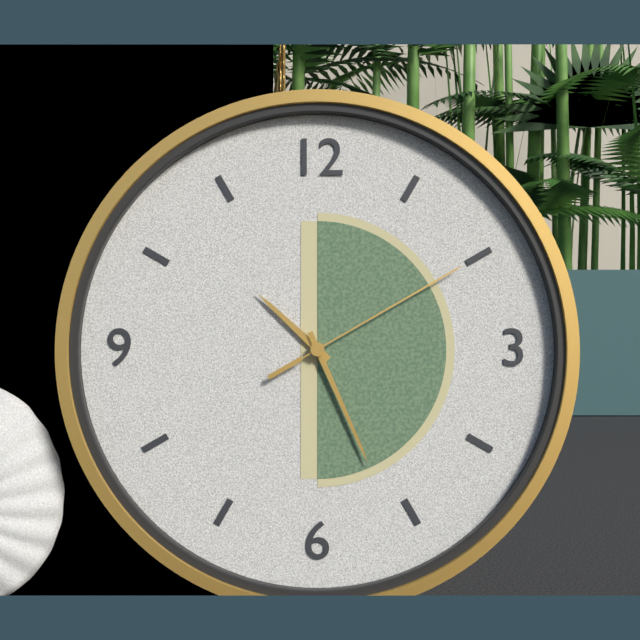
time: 10:26:10
